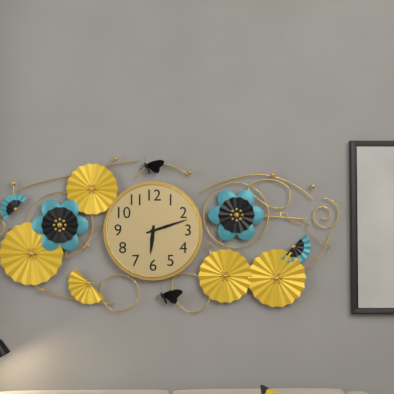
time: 6:12
